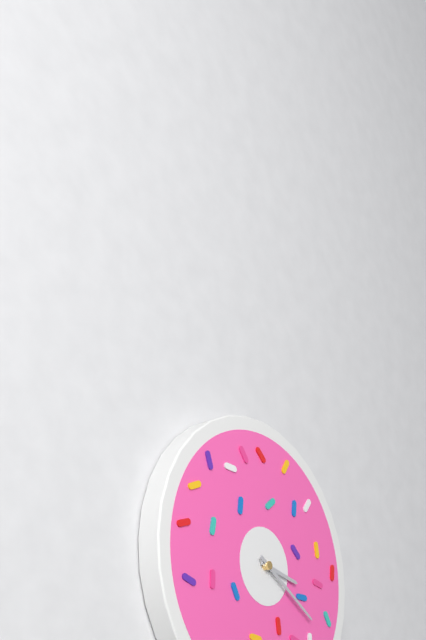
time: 3:20
